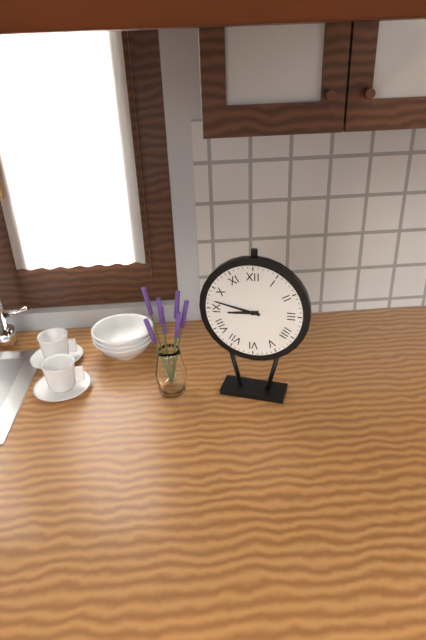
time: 8:47
